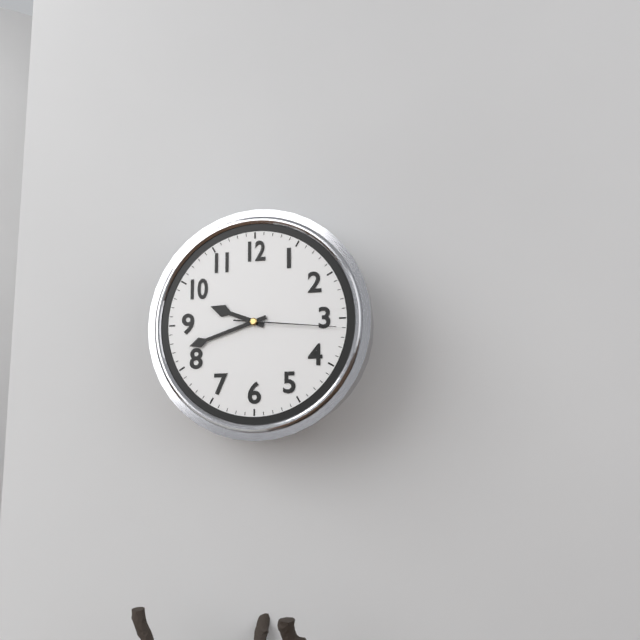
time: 9:42:16
